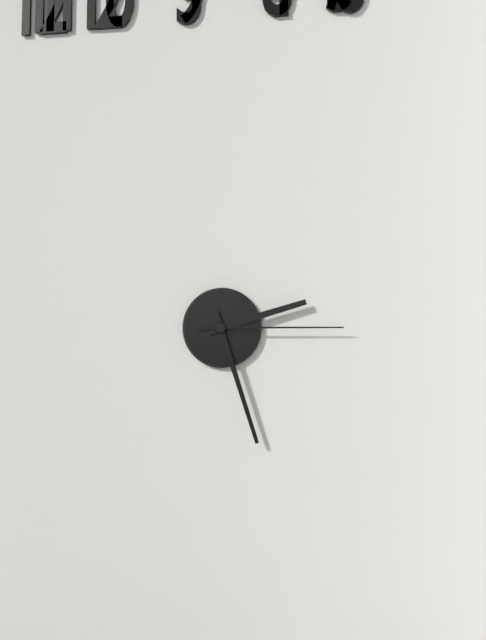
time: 2:27:15
